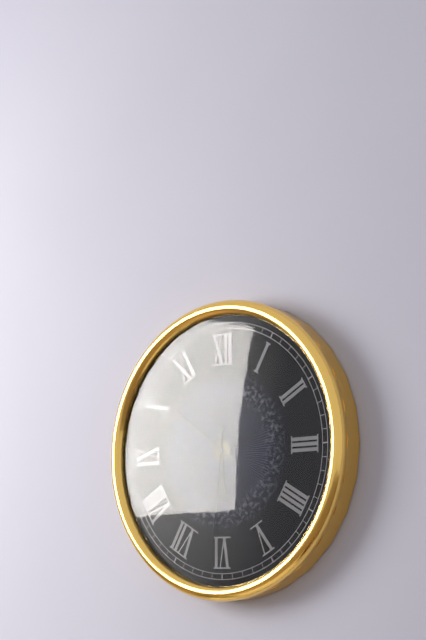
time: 5:51:31
